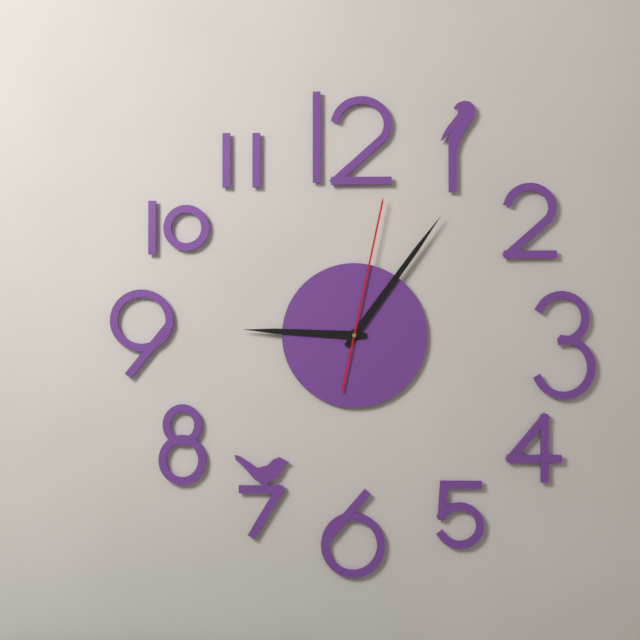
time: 9:06:02
